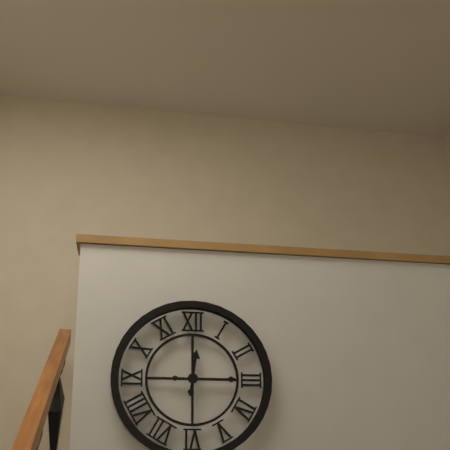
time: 12:15
